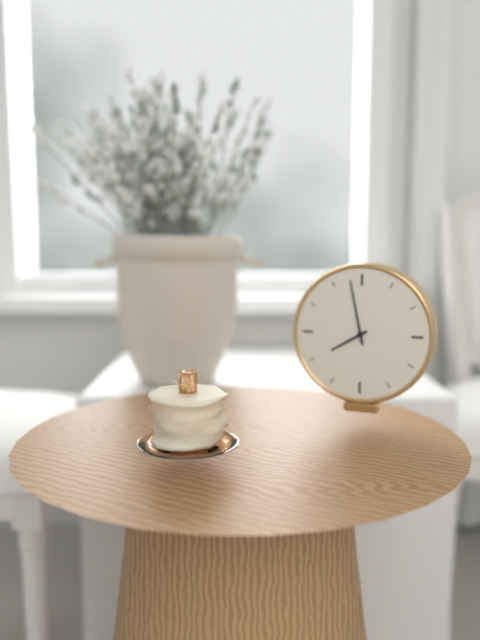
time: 7:58
